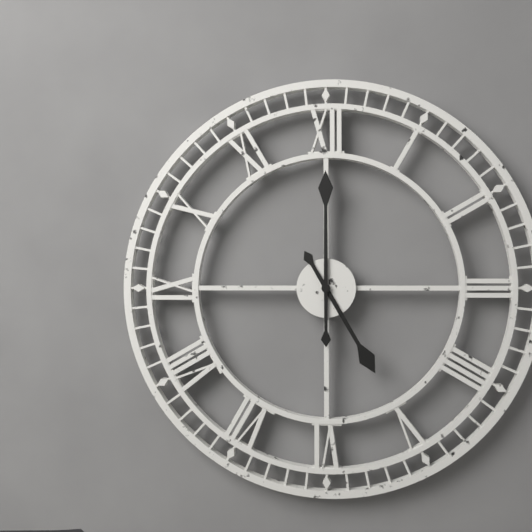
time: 5:00
